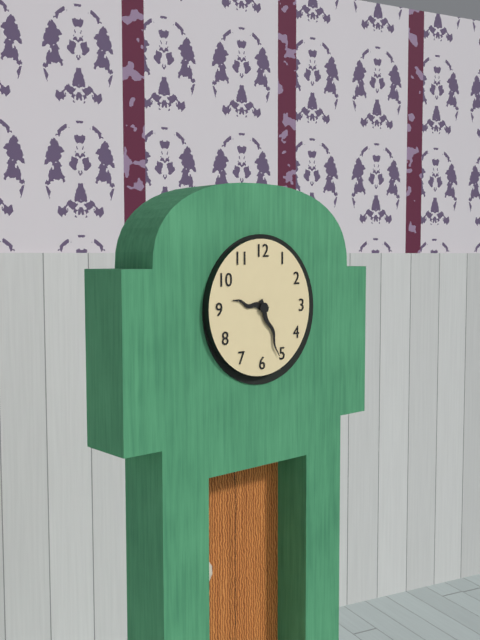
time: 9:26
